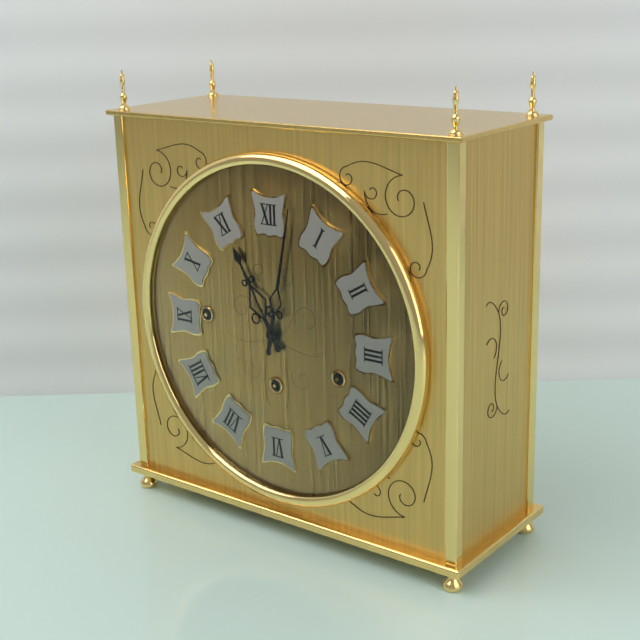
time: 11:02
